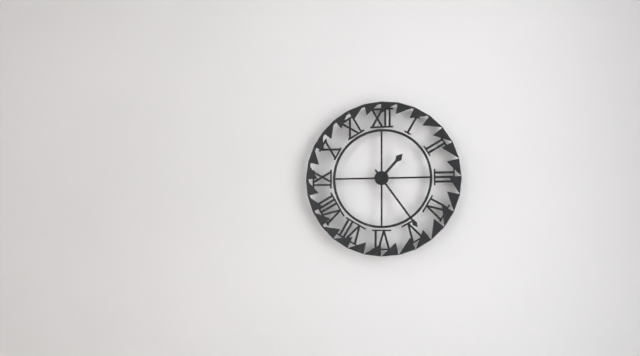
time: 1:24
